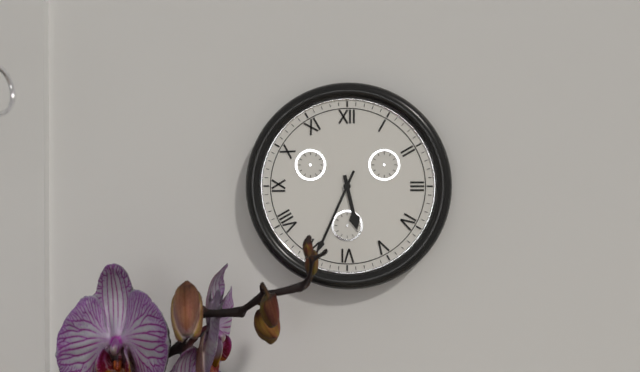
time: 5:34
